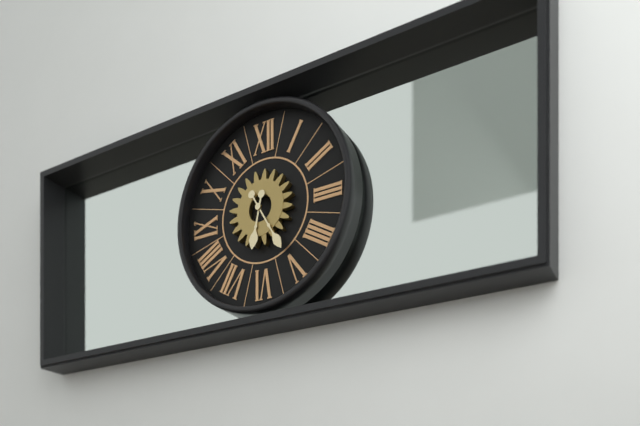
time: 6:25
